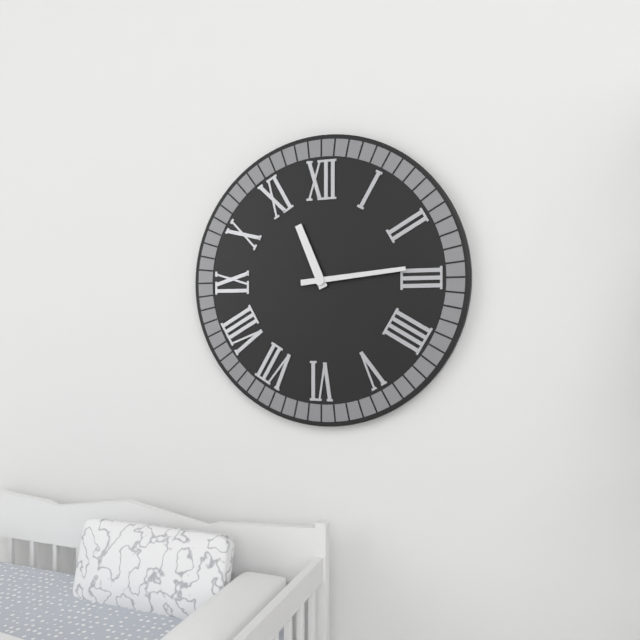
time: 11:14
